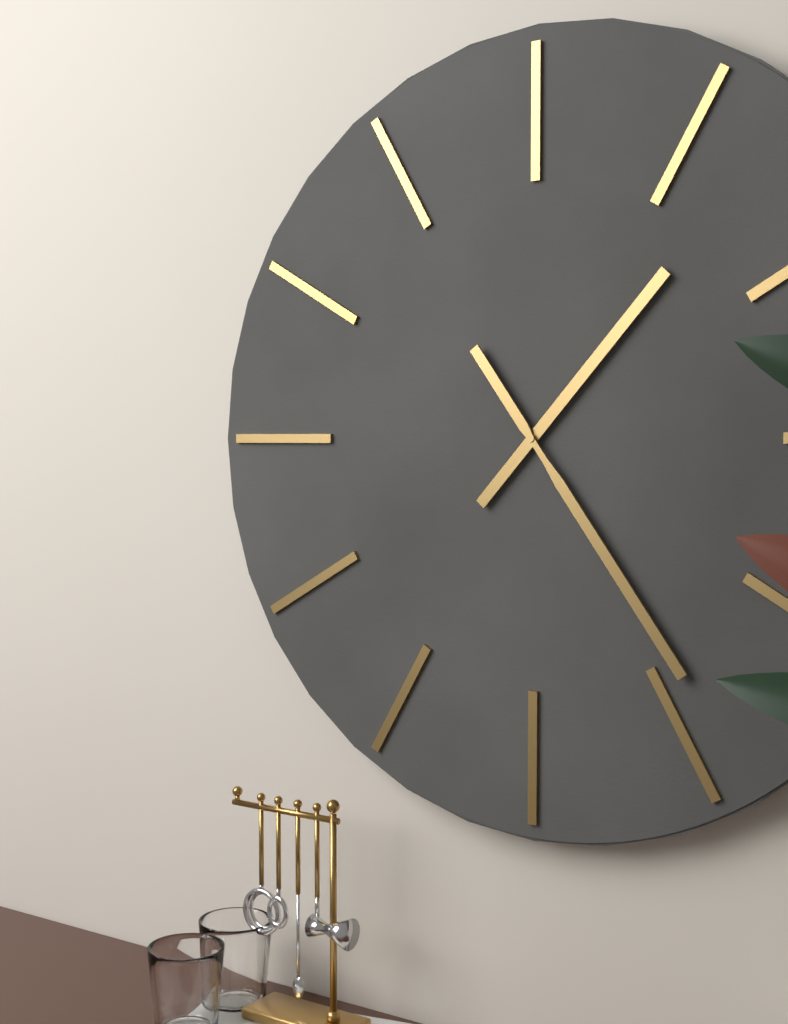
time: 1:24
